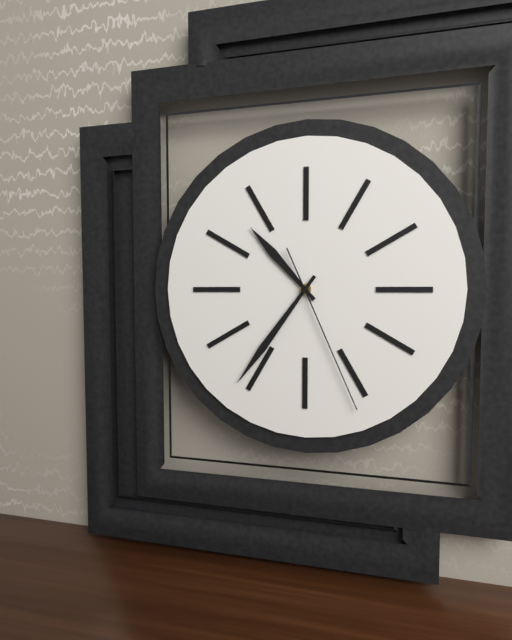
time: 10:36:26
